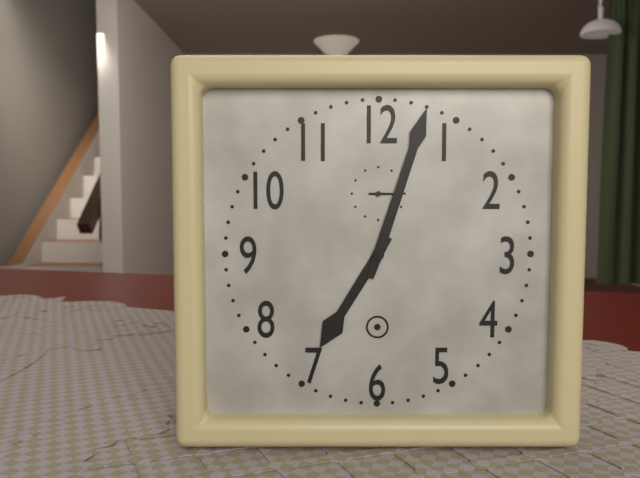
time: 7:03
